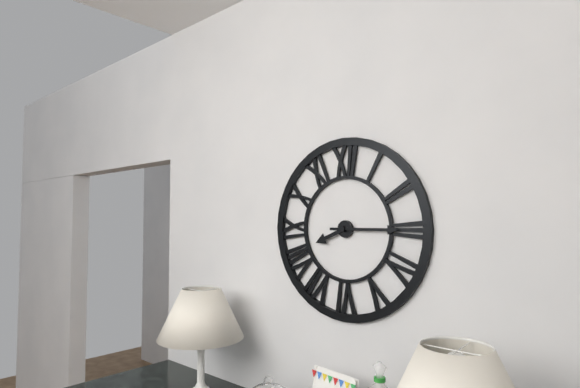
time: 8:15
